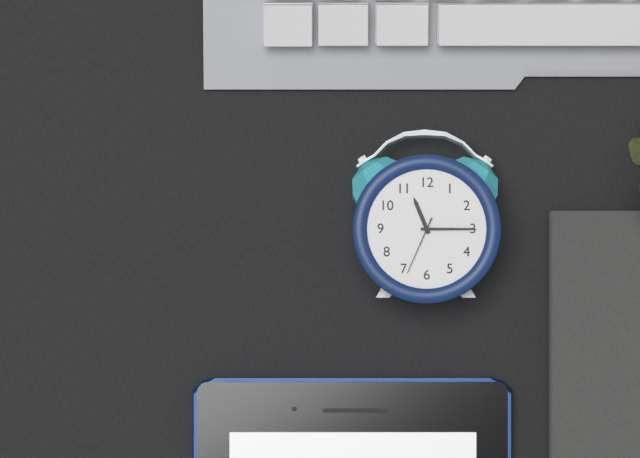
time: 11:15:34
